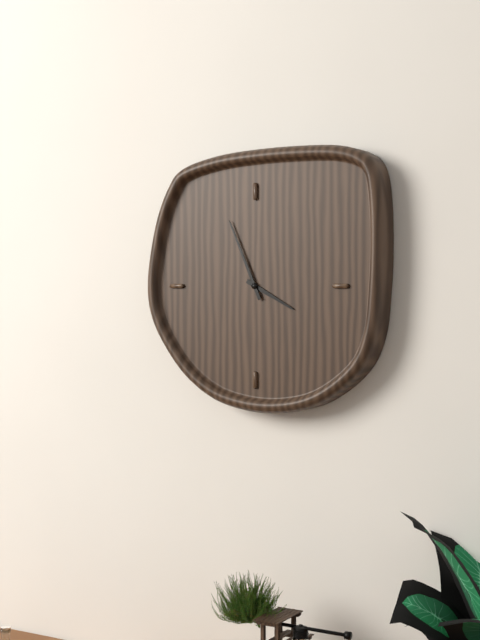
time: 3:56
